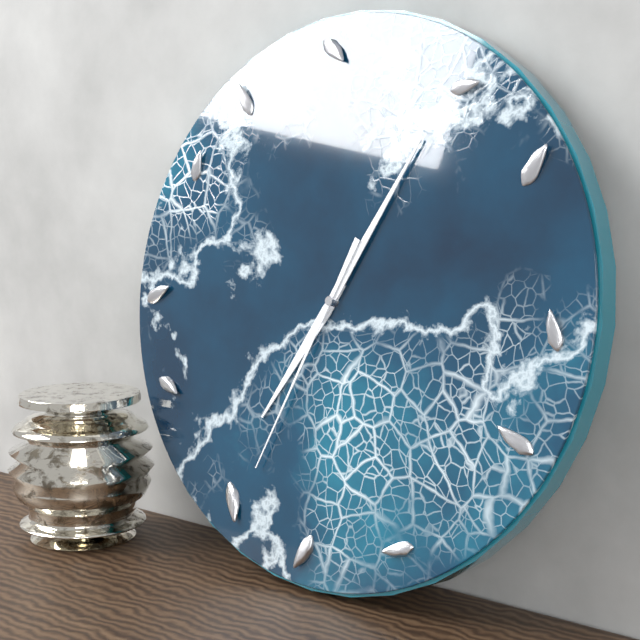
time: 7:05:34
